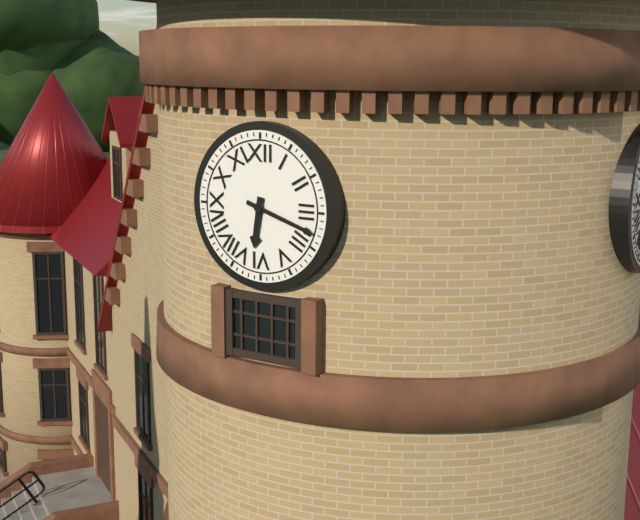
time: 6:18
